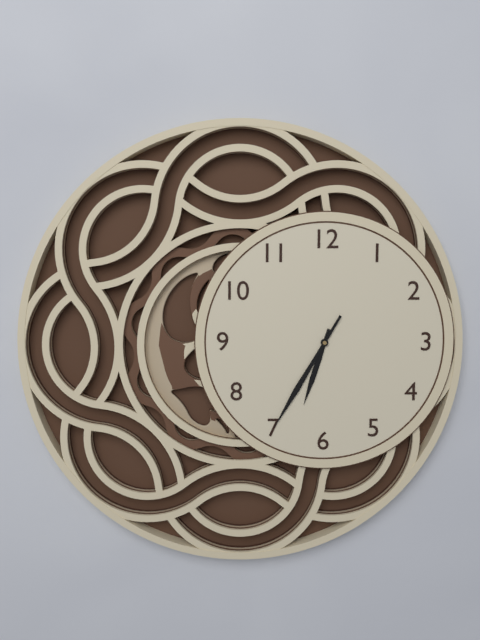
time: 6:35
